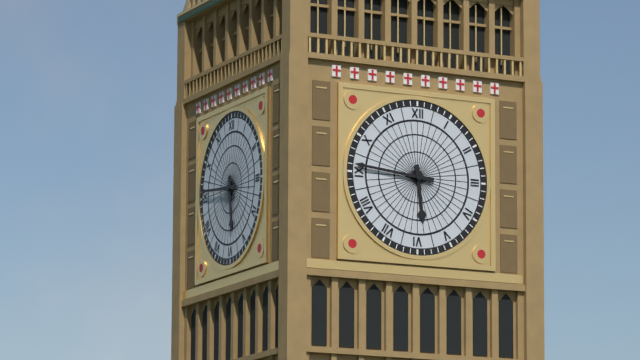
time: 5:46
